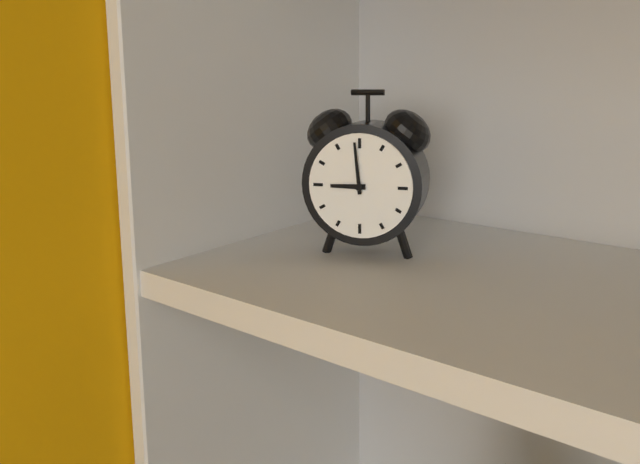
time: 8:59
